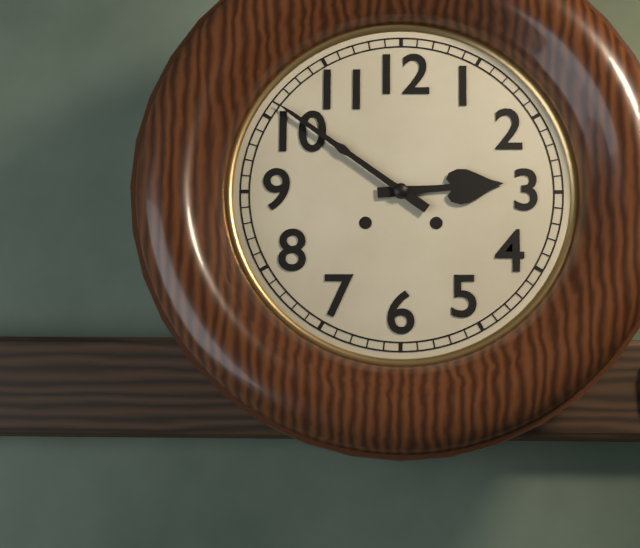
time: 2:51
